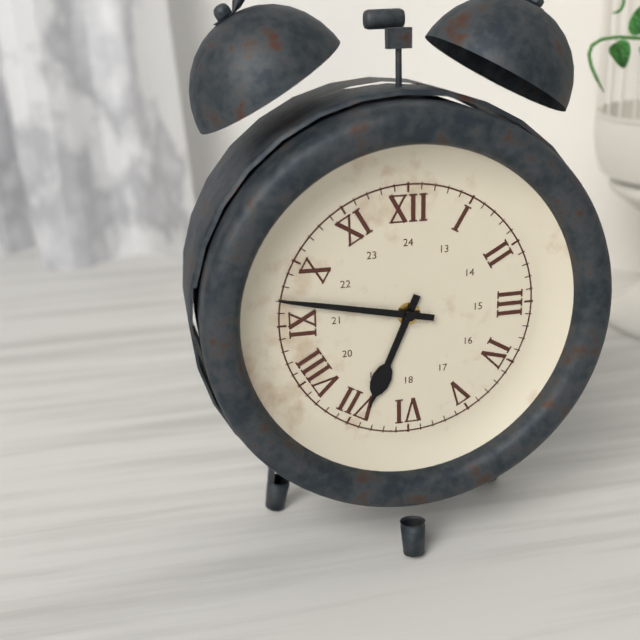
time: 6:47
